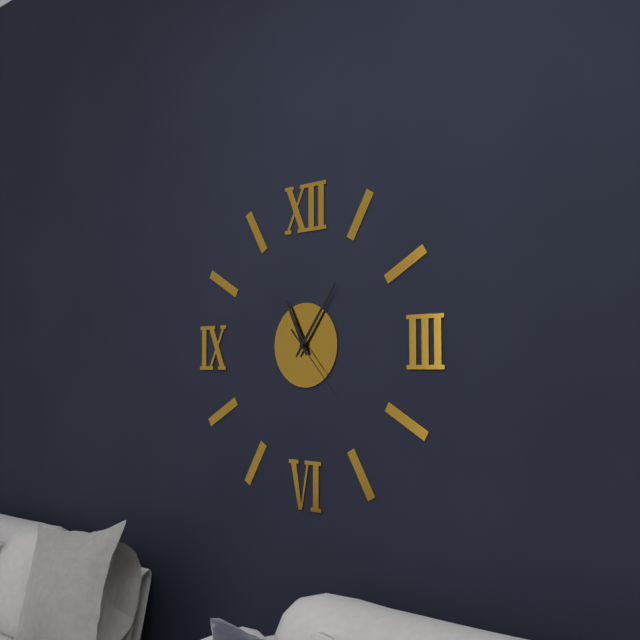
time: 11:06:23
